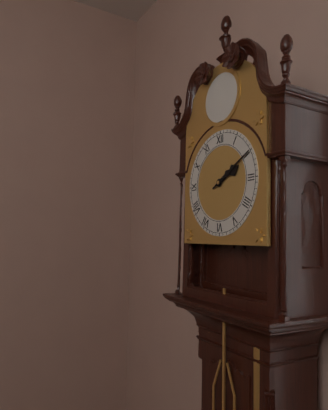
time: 2:10
